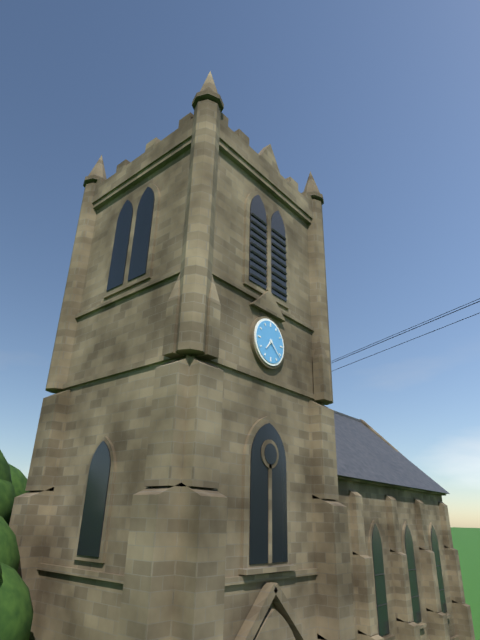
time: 7:22
